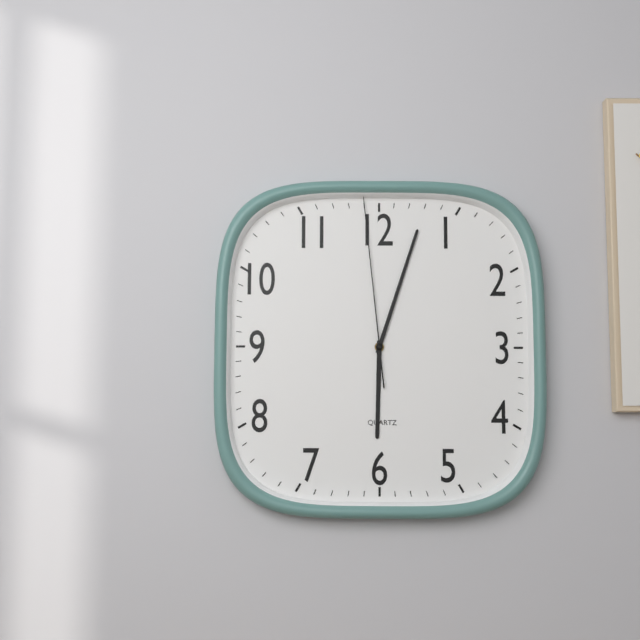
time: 6:03:59
